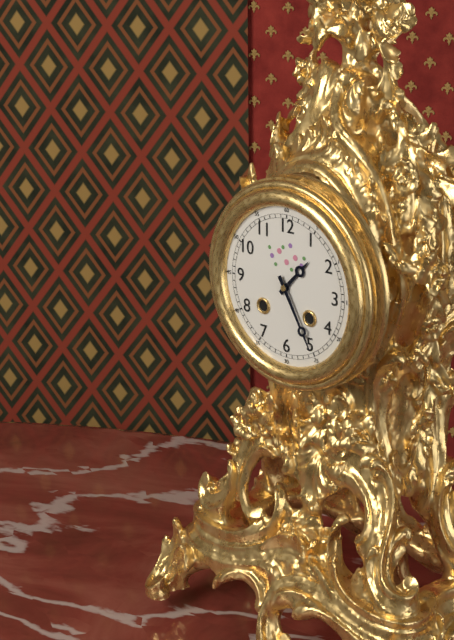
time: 1:25
